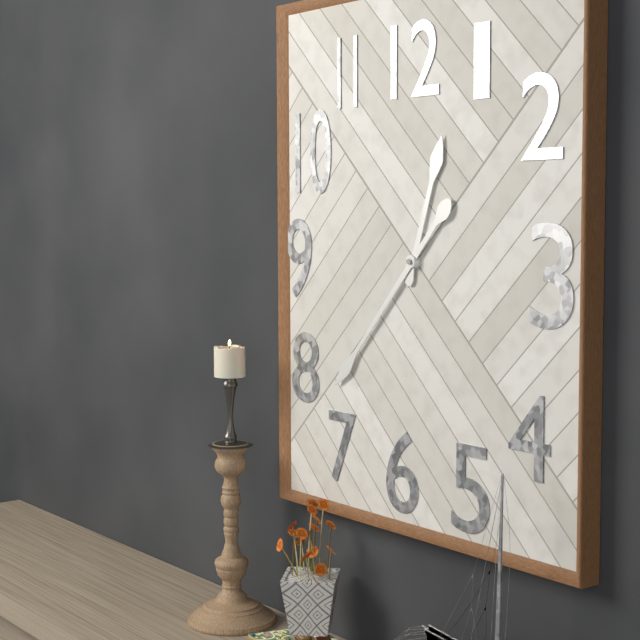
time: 12:37
